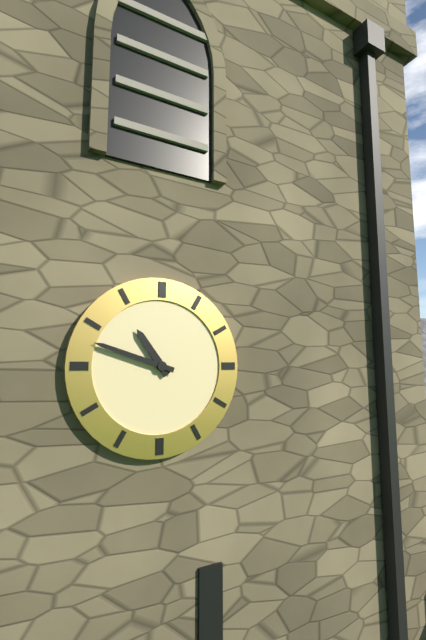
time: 10:48
